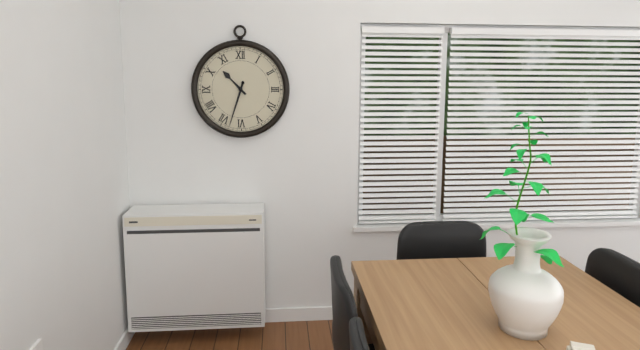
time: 10:33
